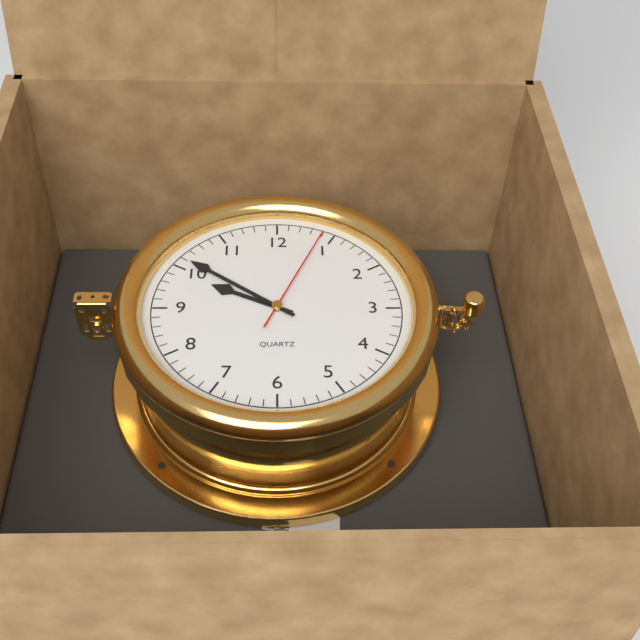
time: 9:51:04
